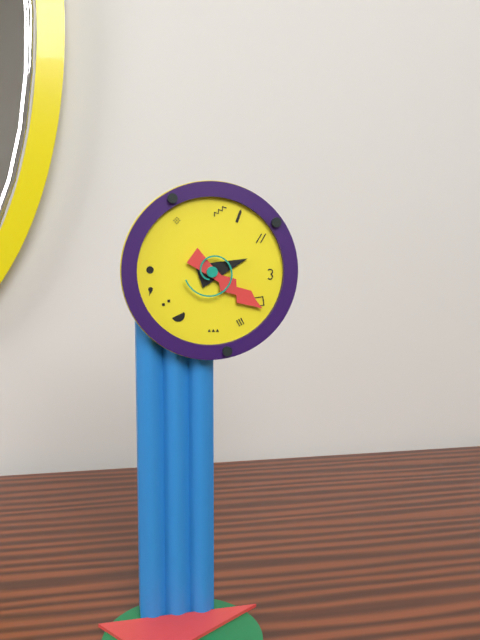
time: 2:21
